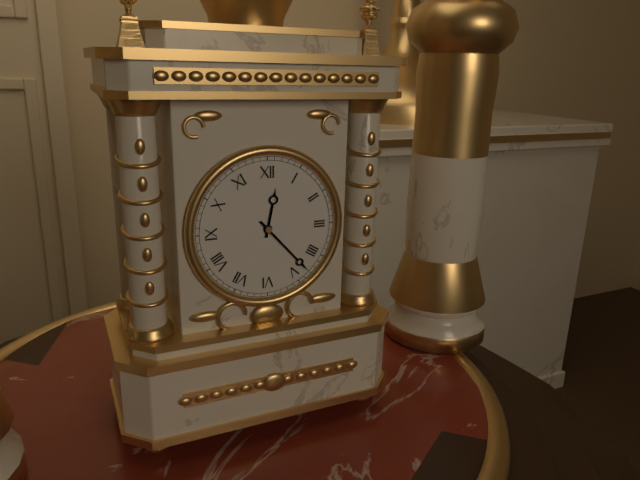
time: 12:23
